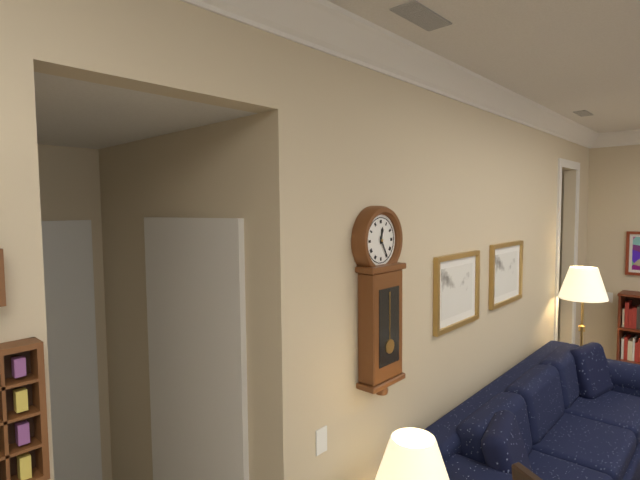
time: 12:25
